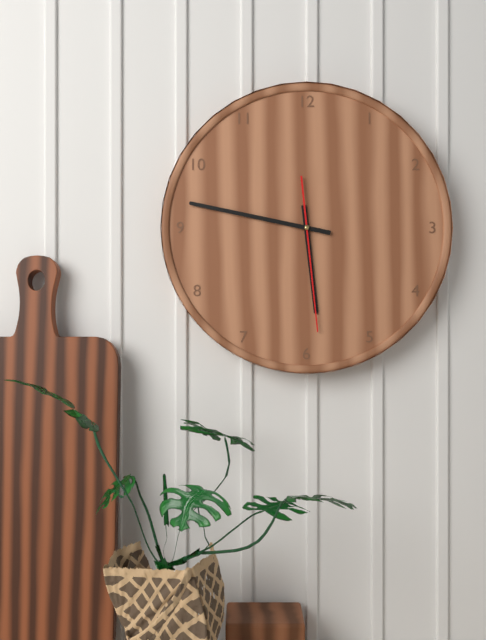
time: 5:47:29
